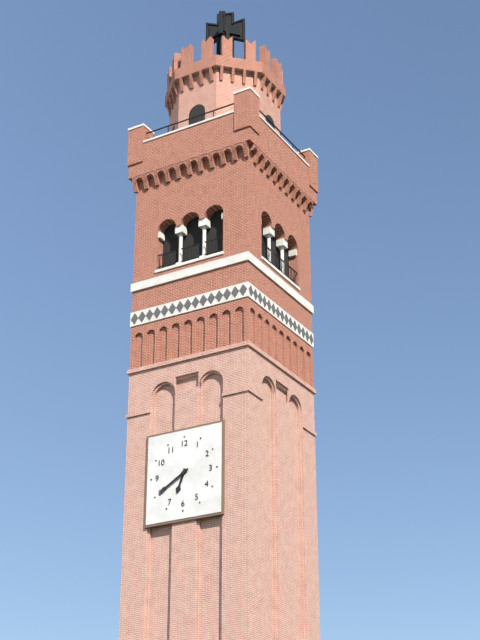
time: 6:40
